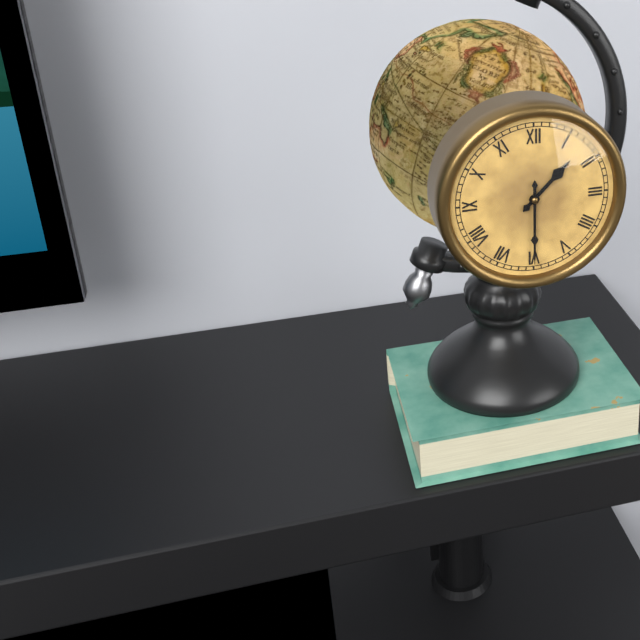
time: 1:30
